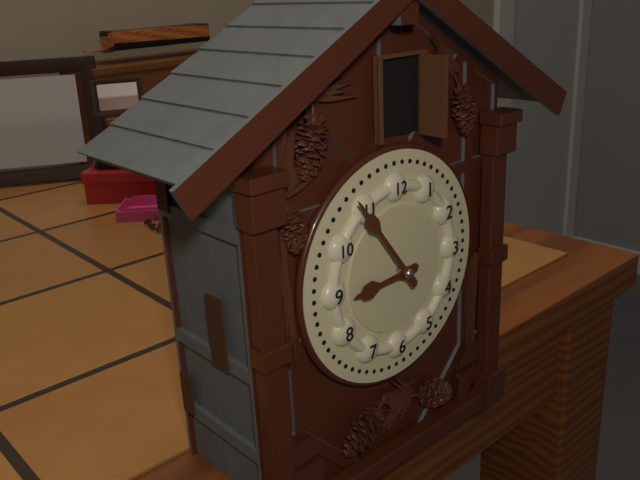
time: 8:54
